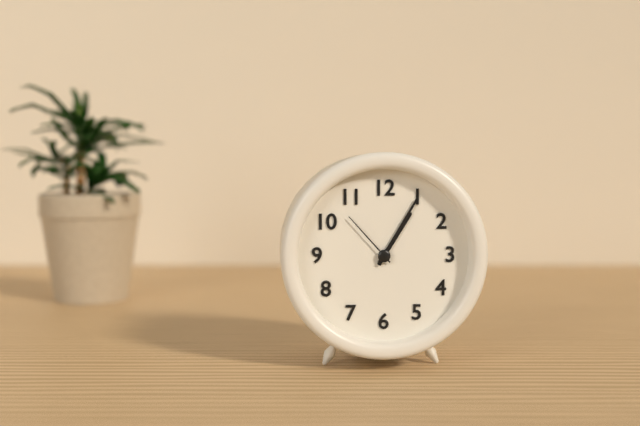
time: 1:05:53
